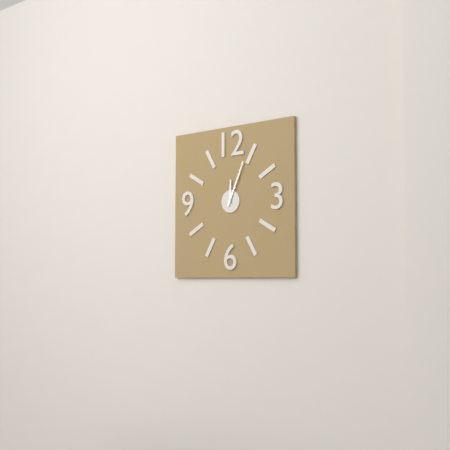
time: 12:04
